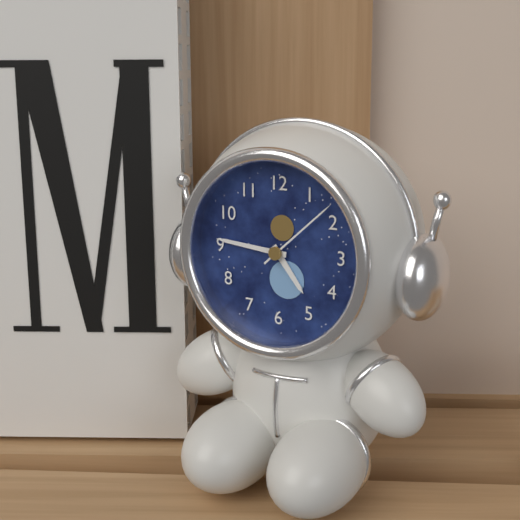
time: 4:46:08
